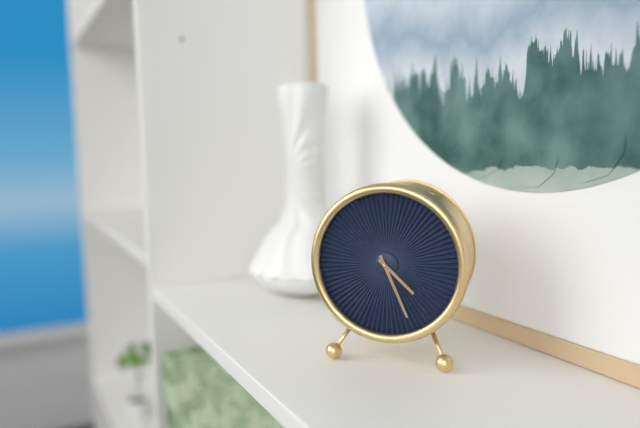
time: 4:26
